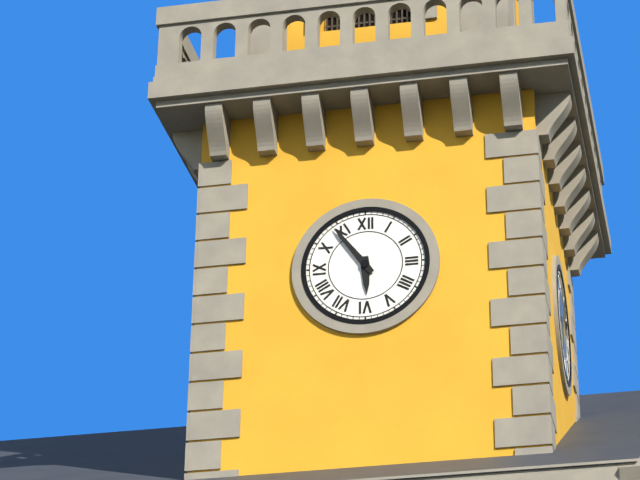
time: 5:54
